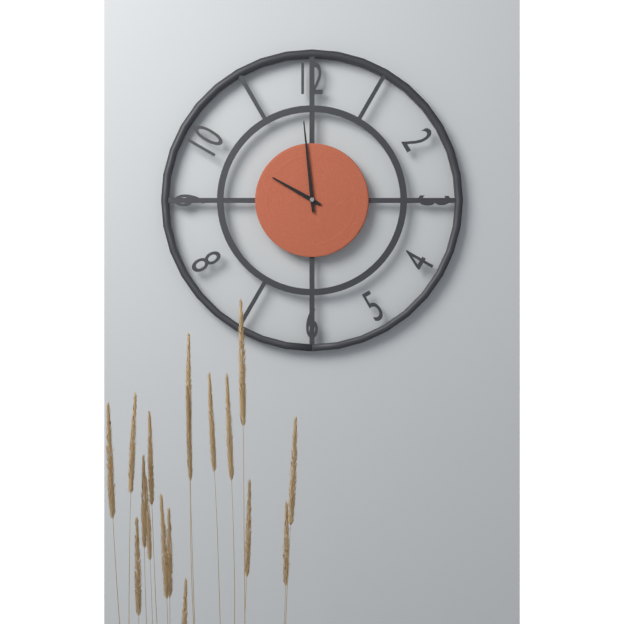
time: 9:59
